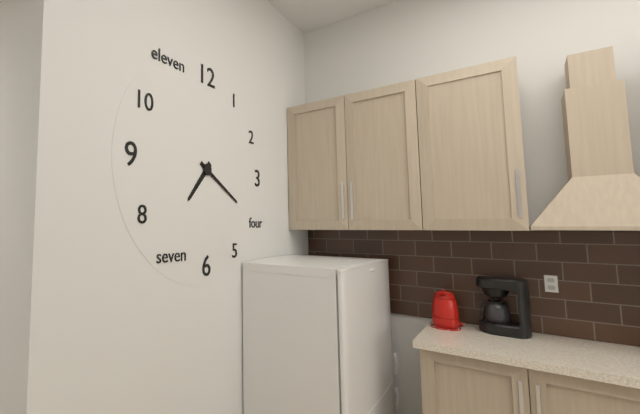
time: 7:20
